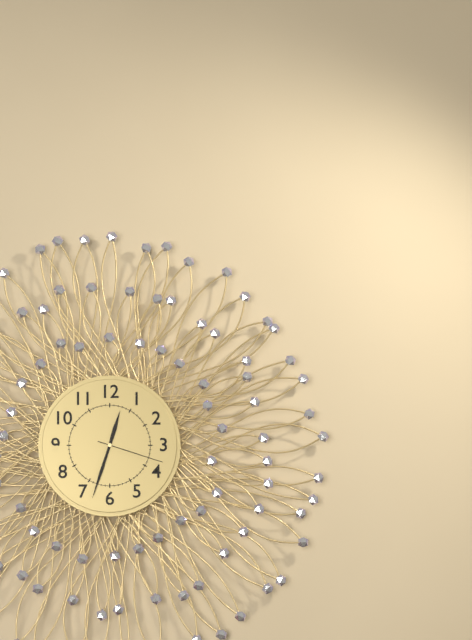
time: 12:33:18
